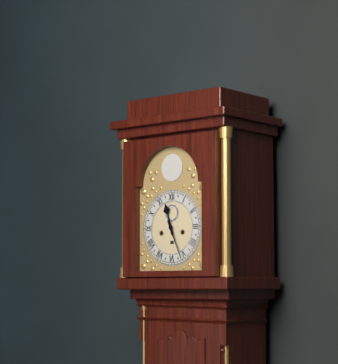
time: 11:26
